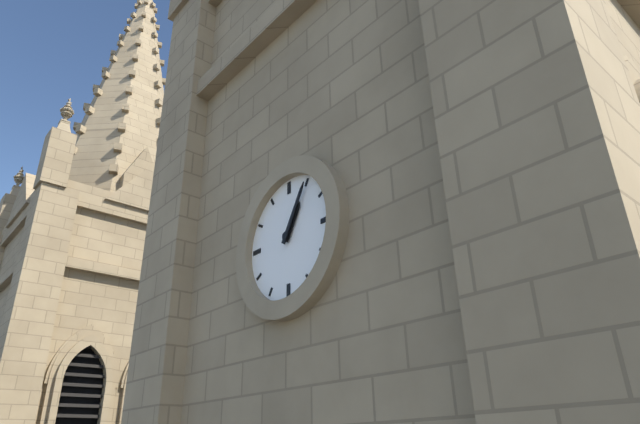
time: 1:05
